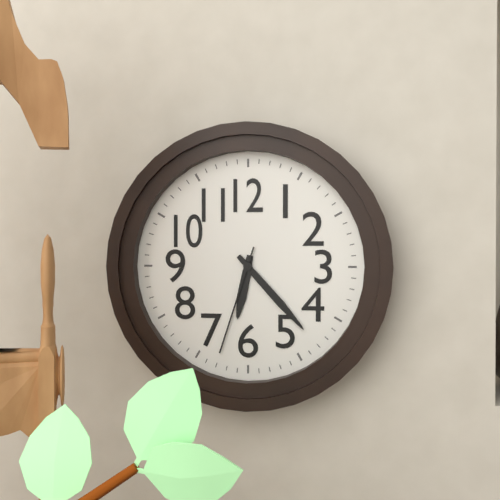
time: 6:23:33
